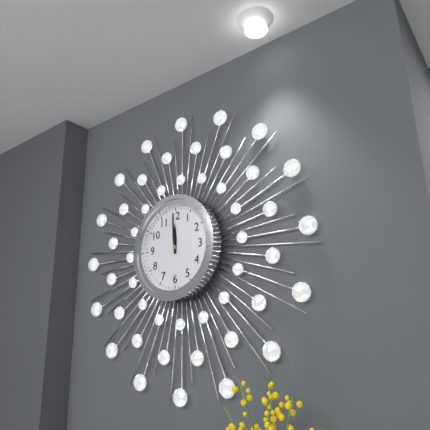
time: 11:59
